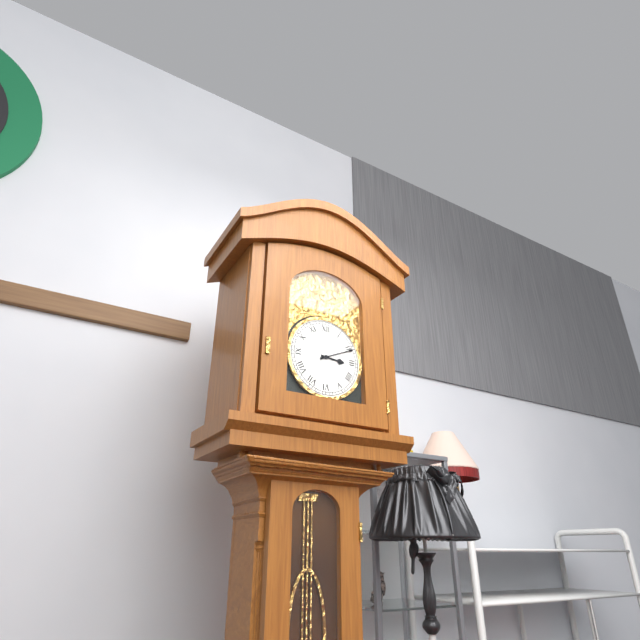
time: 3:11
